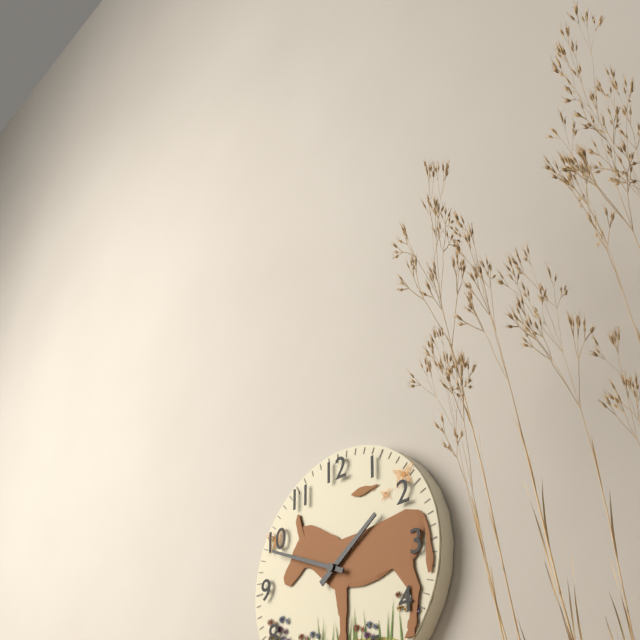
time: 1:49
